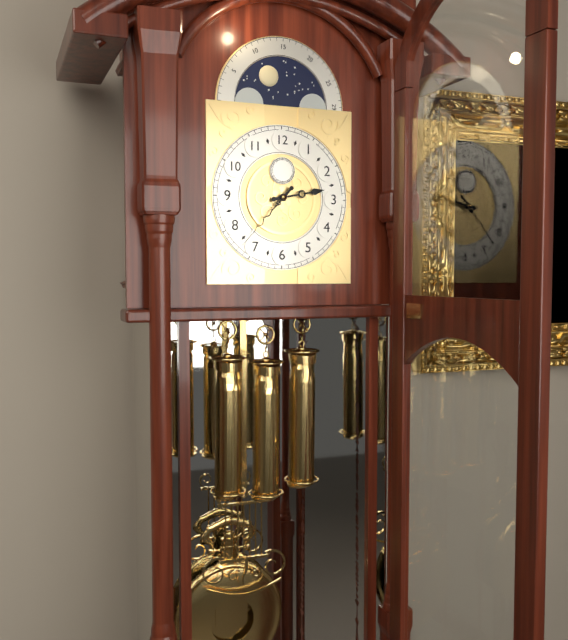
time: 2:37
